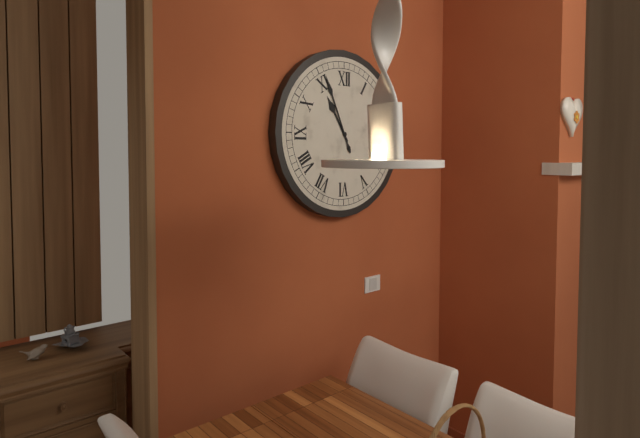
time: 10:56
